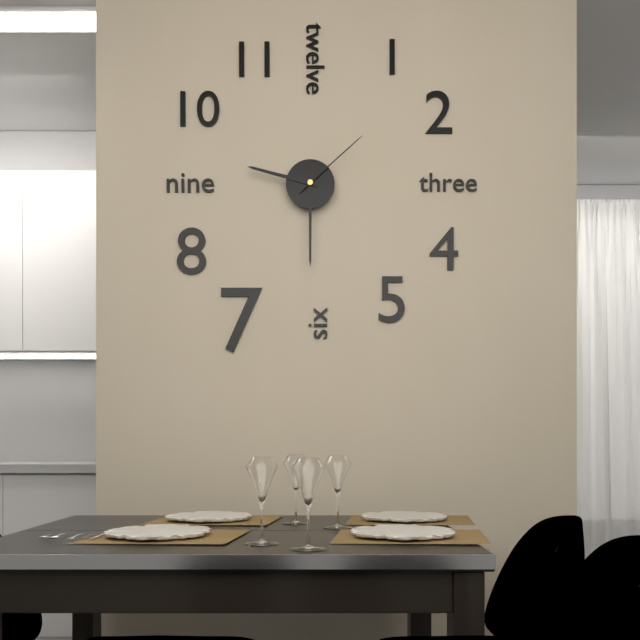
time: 9:30:08
